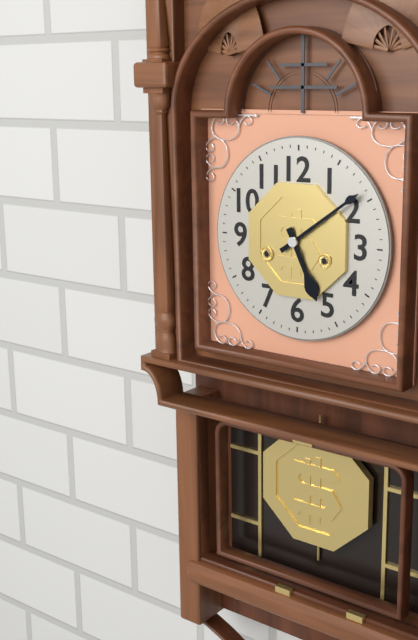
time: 5:09
